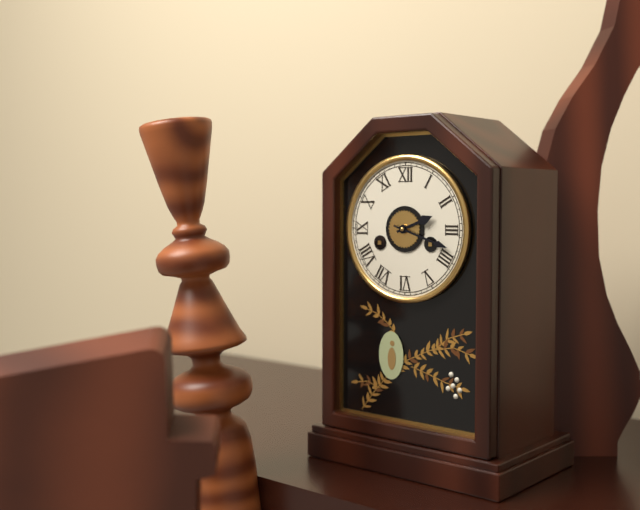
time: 2:18
